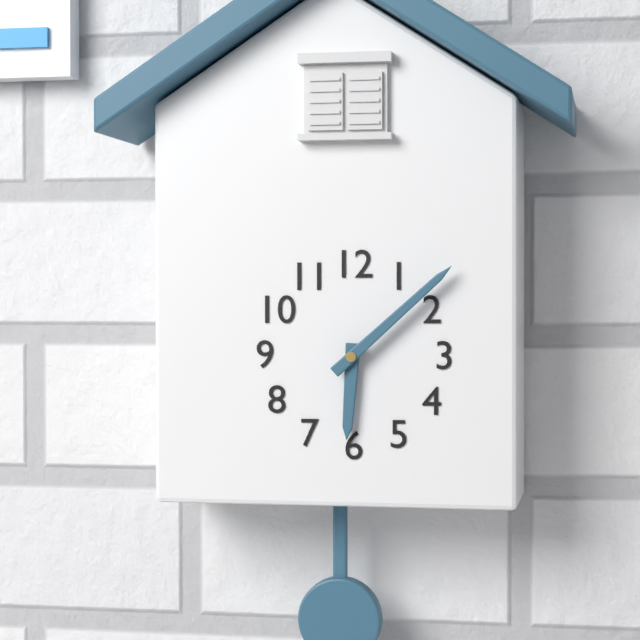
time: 6:08
